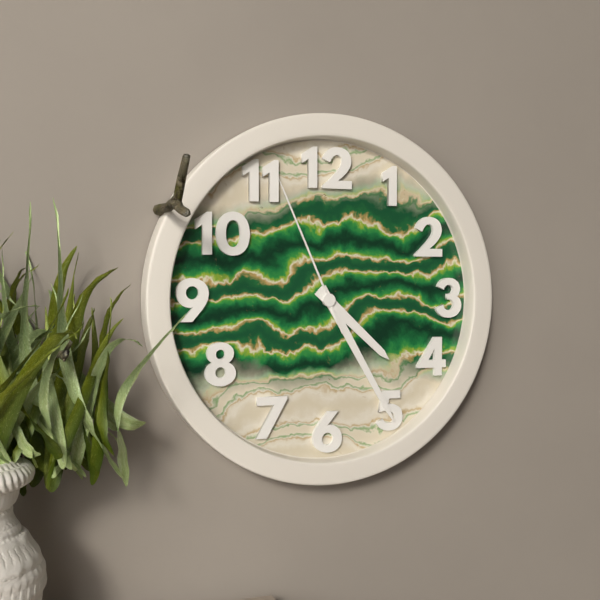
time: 4:25:56
